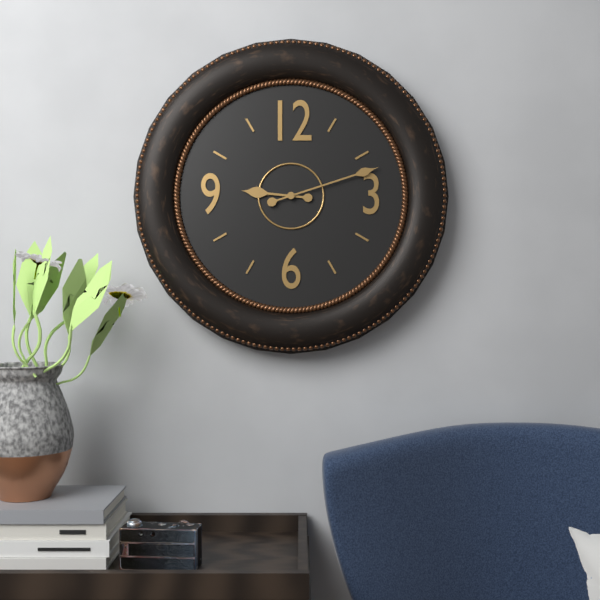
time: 9:12
